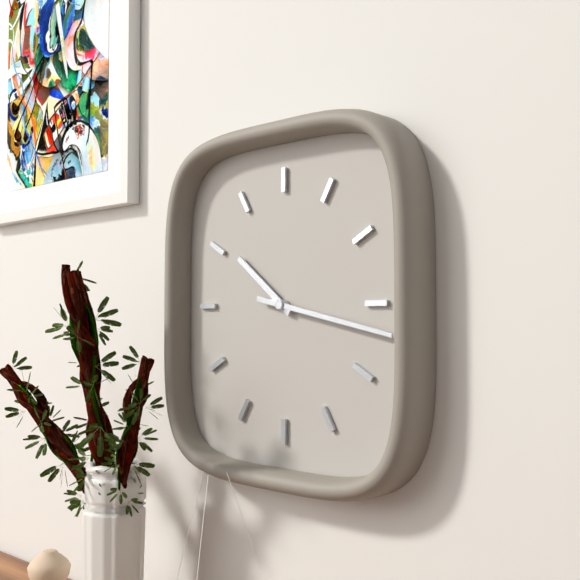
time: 10:17
